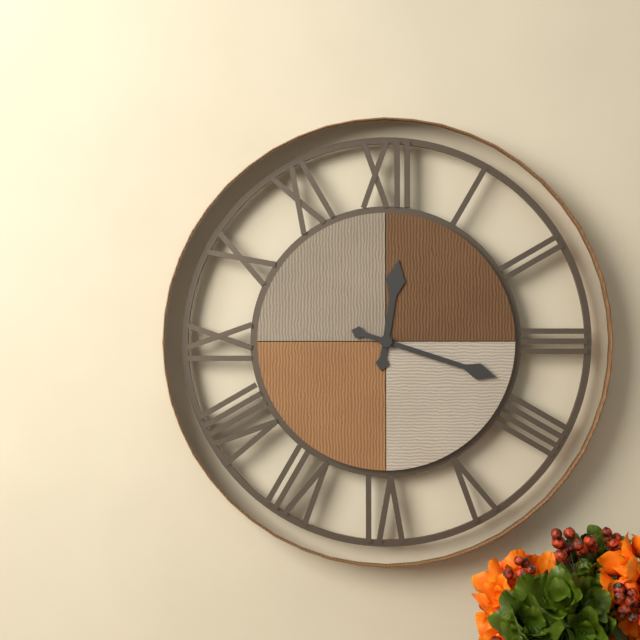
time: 12:18
